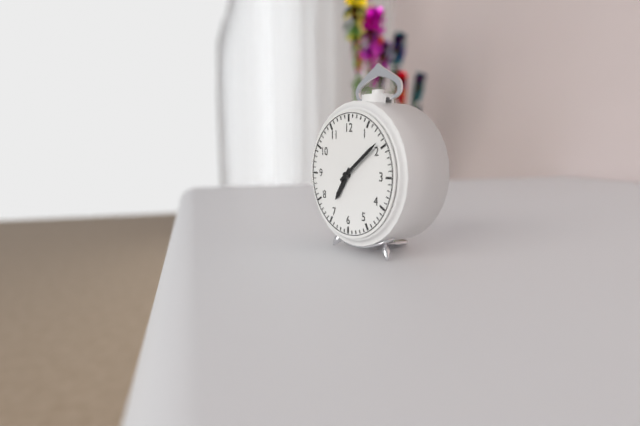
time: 7:09
